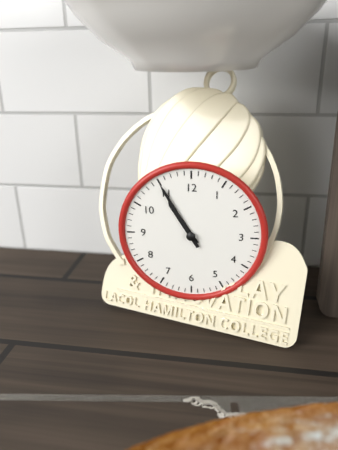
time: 10:55
